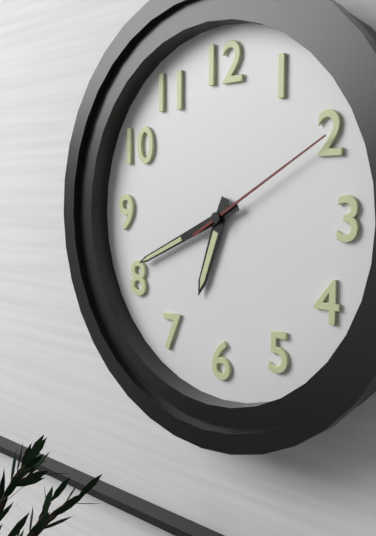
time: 6:41:10
